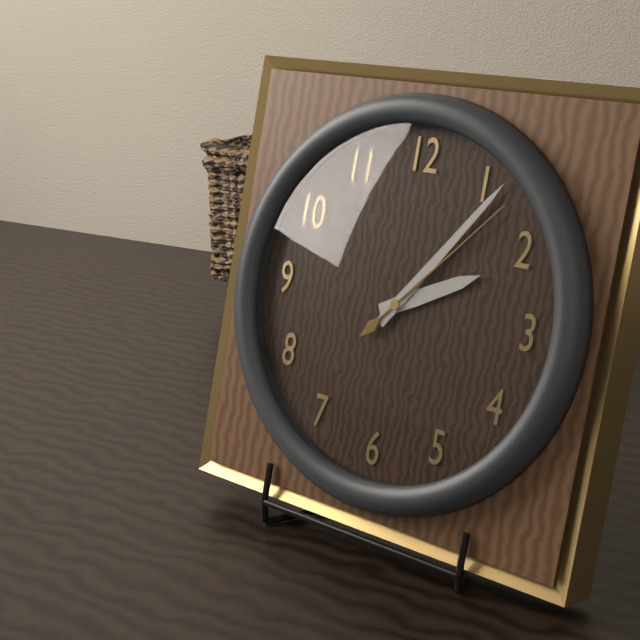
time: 2:06:07
